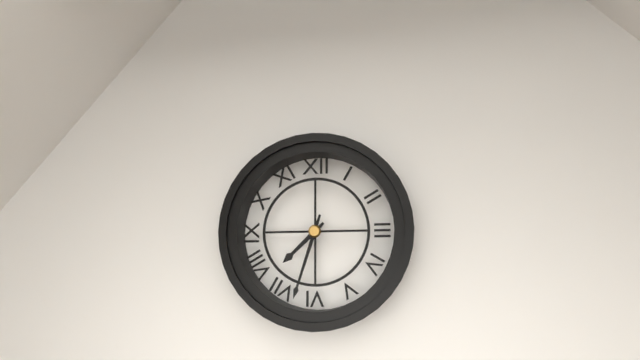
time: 7:33
